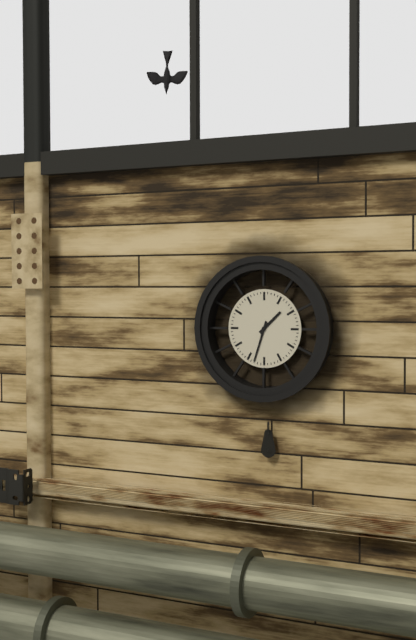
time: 1:33
